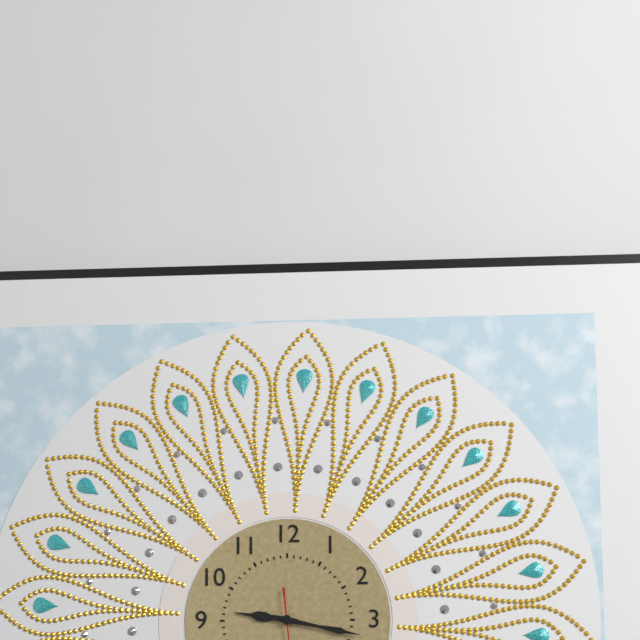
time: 9:17
